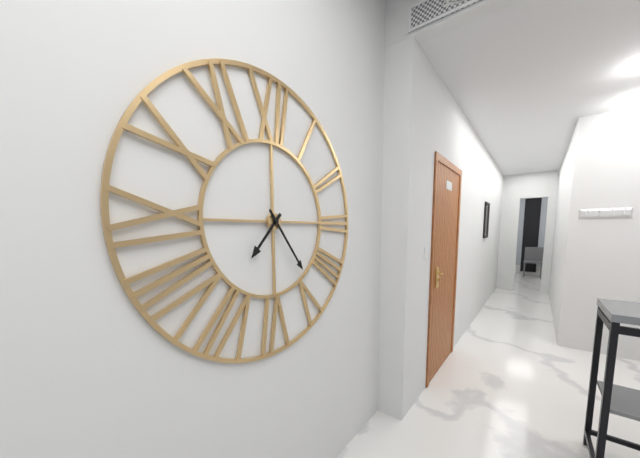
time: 7:24
